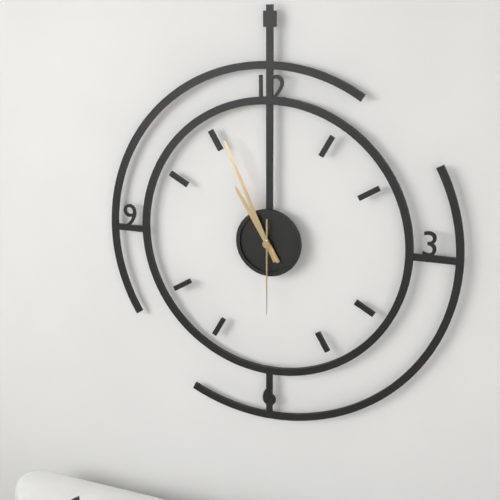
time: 10:56:30
